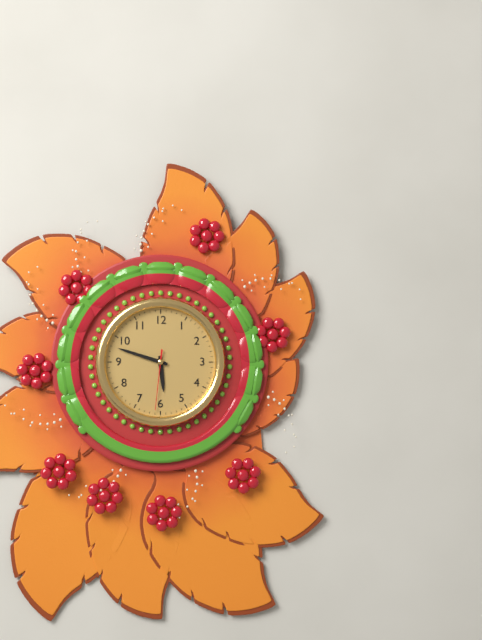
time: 5:48:31
